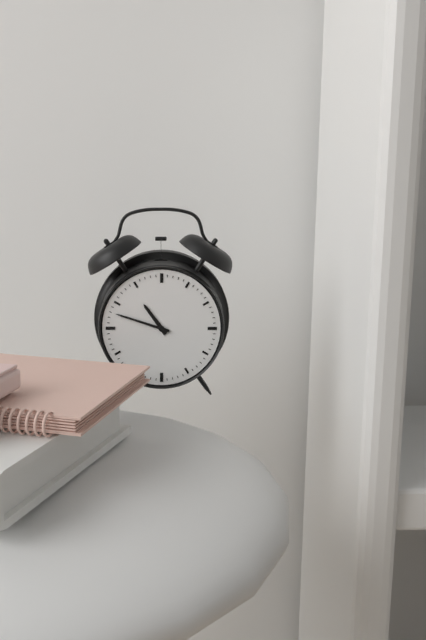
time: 10:48
